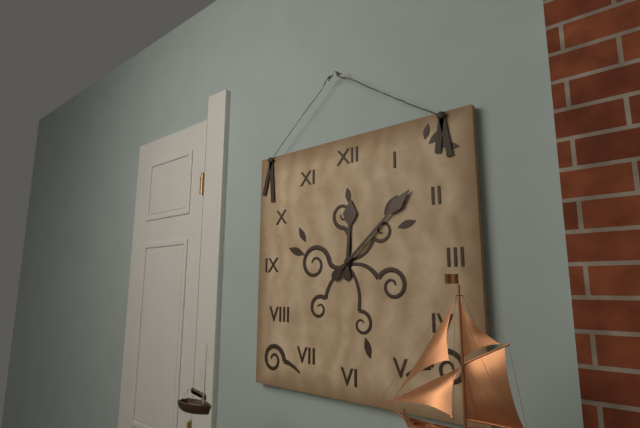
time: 12:08
